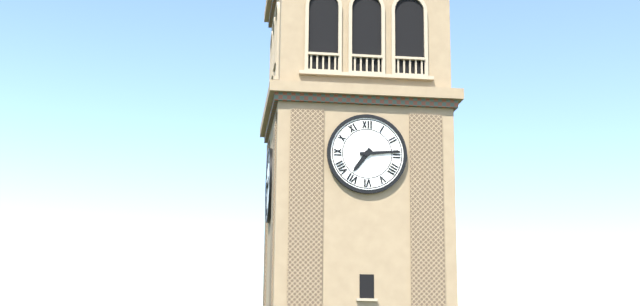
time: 7:14
